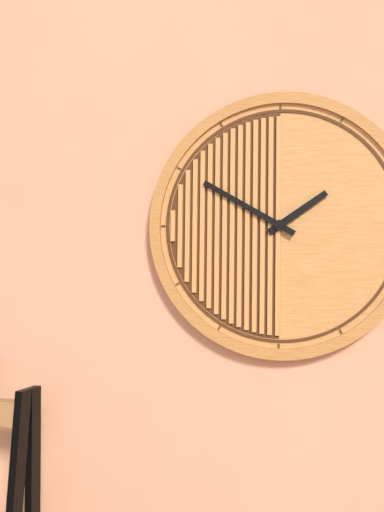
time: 1:50
